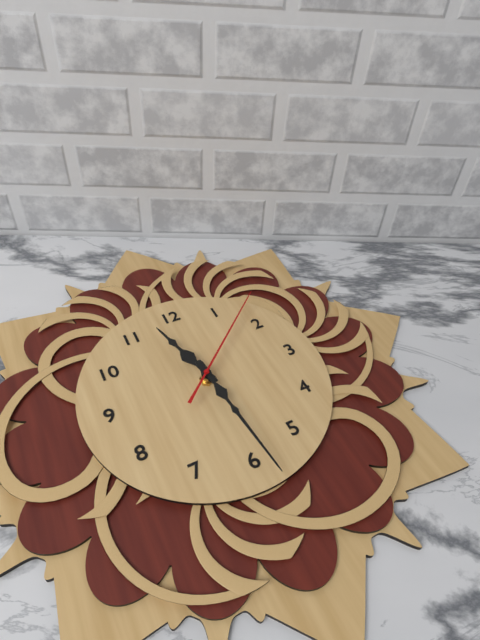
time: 11:29:08
